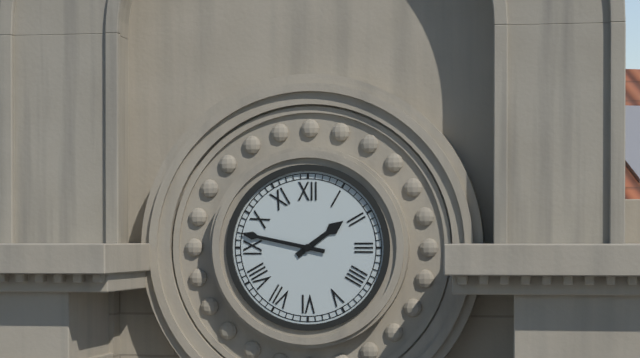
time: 1:47
